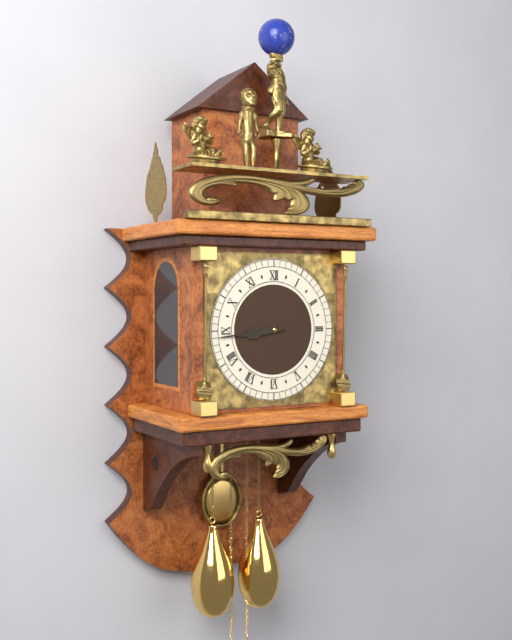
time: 8:44
